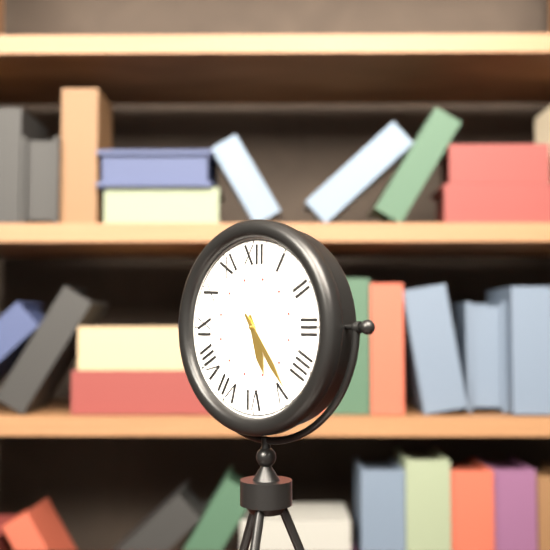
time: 5:24
